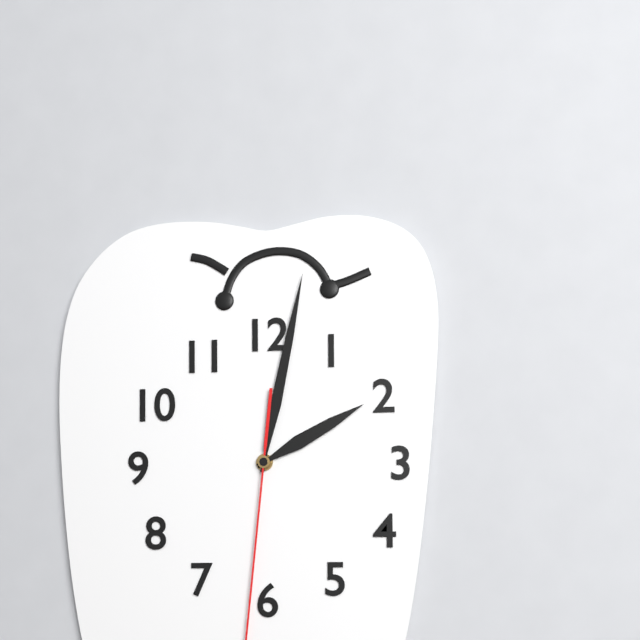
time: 2:02
